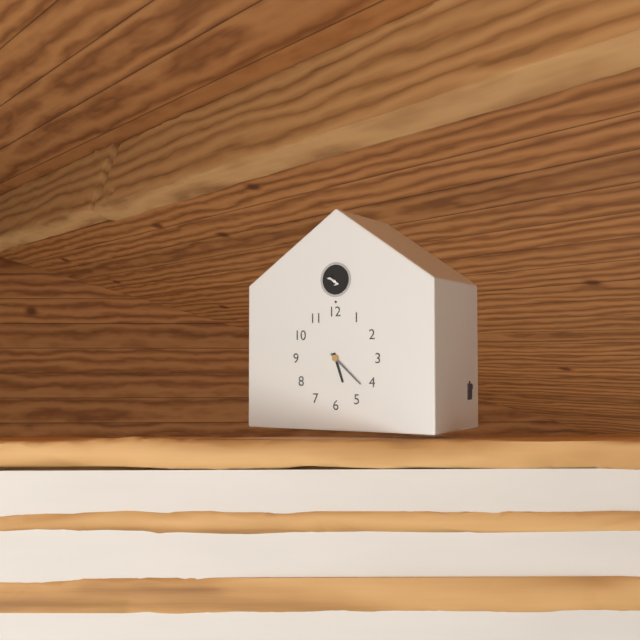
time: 5:22
